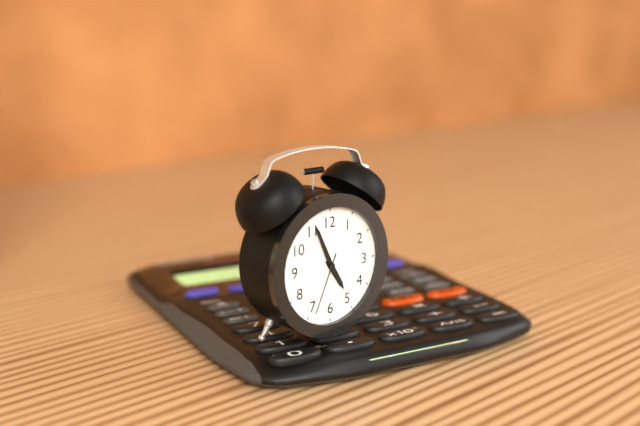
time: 4:56:34
